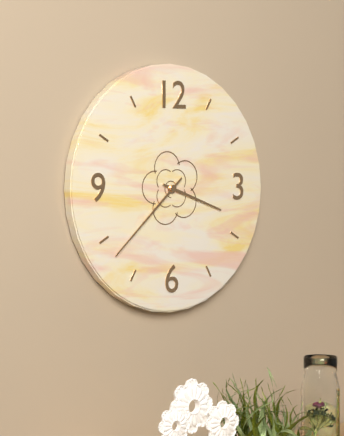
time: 3:38
